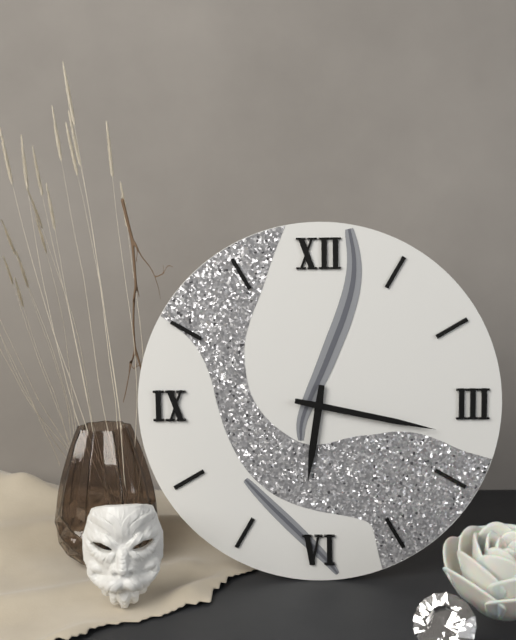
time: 6:17
